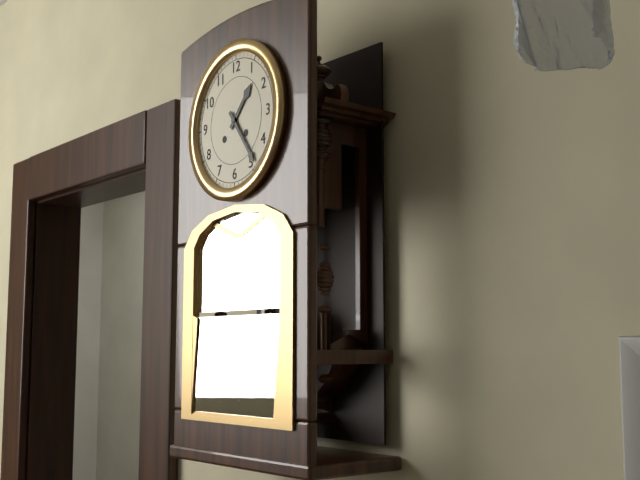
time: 1:24
